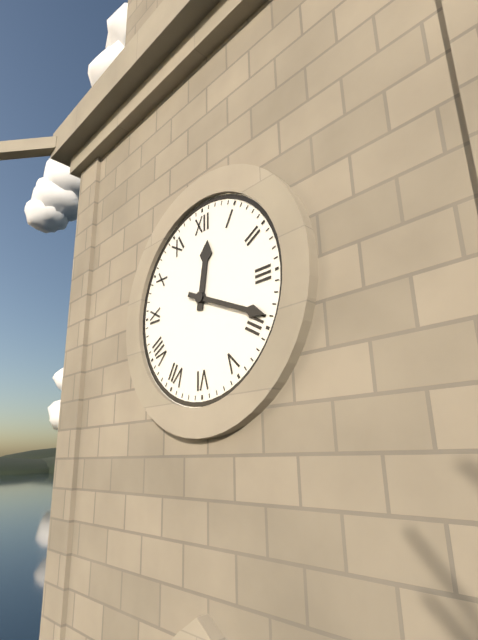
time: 12:19
